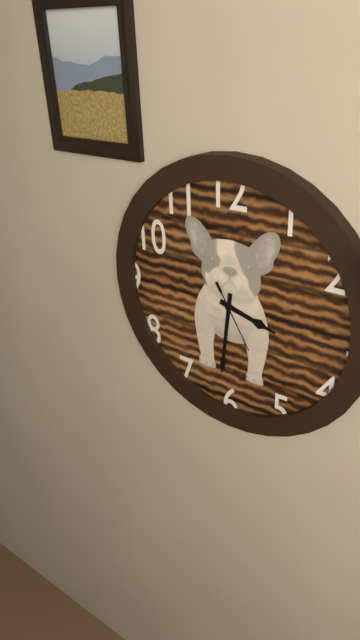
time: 3:31:25
